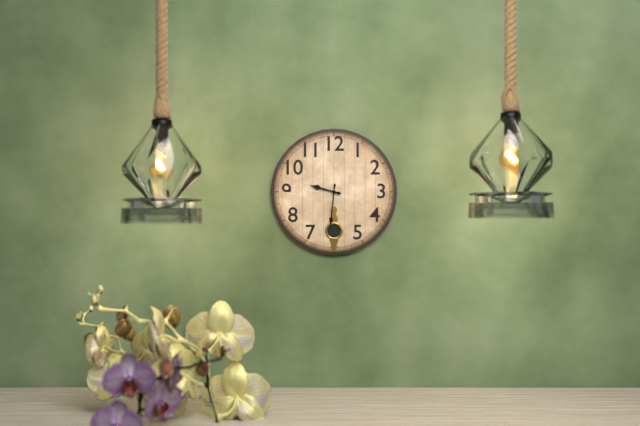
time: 9:31
